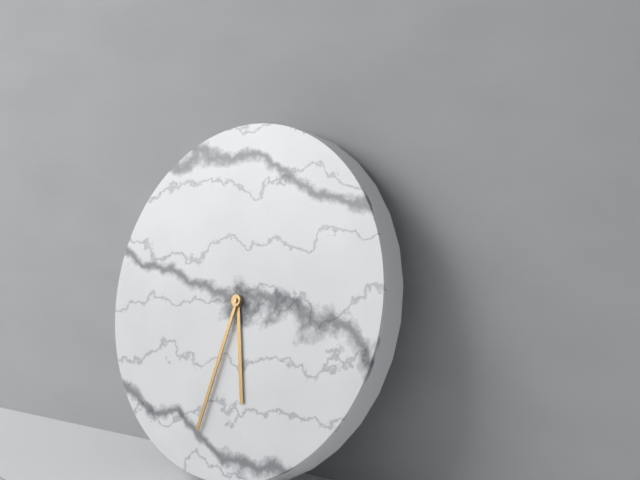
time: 5:32
